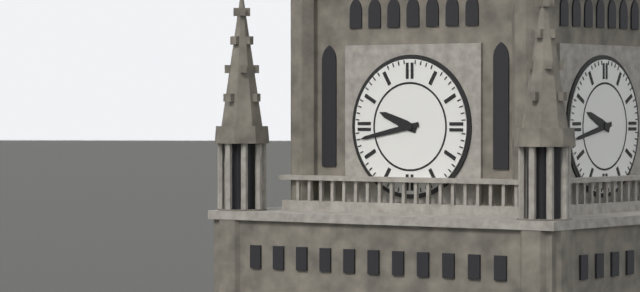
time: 9:43
